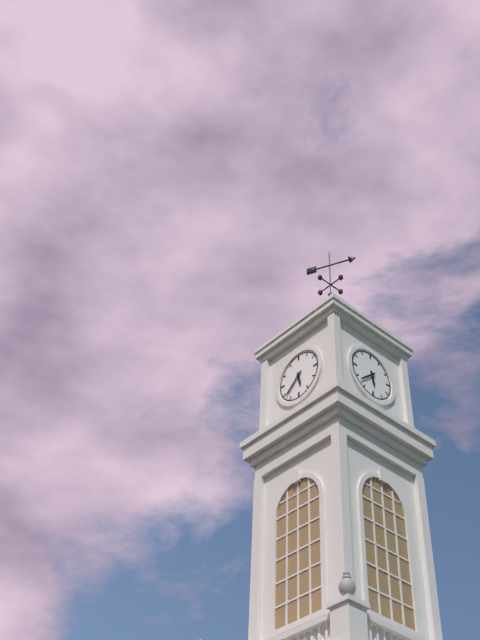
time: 5:38
